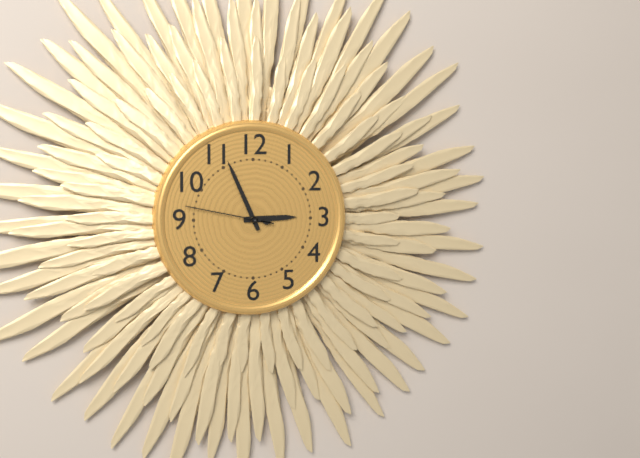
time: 2:56:47
